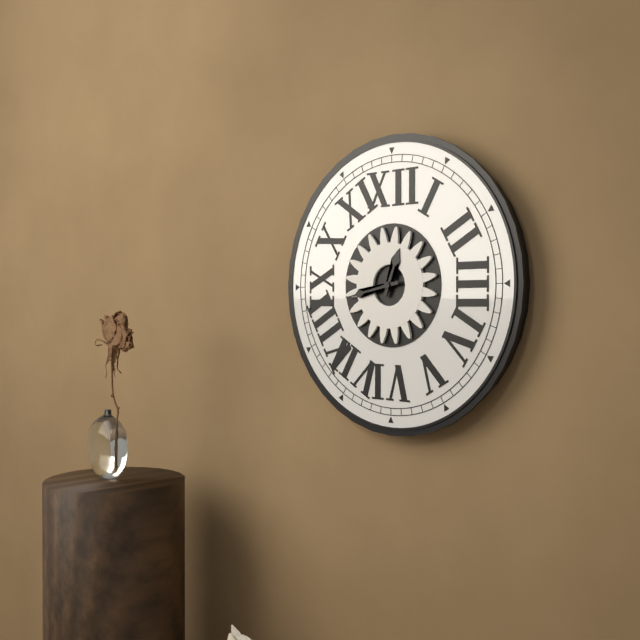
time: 12:43
